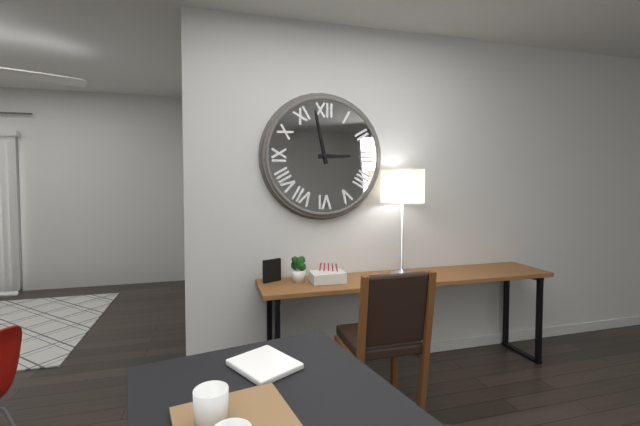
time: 2:58
